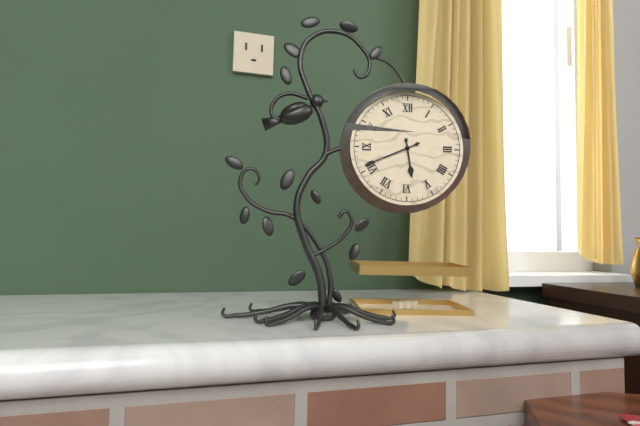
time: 5:41
